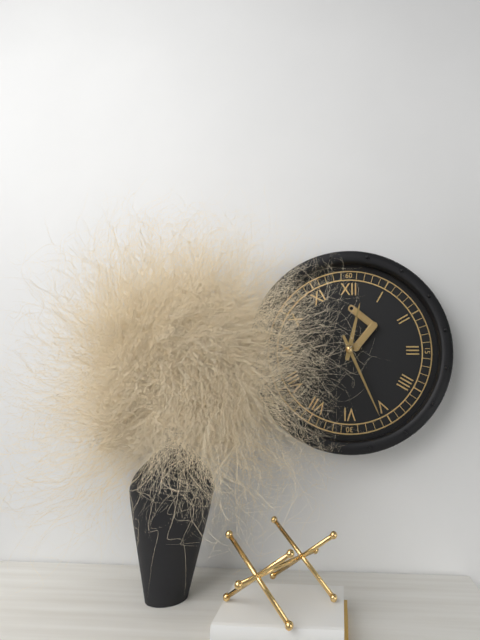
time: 12:26
